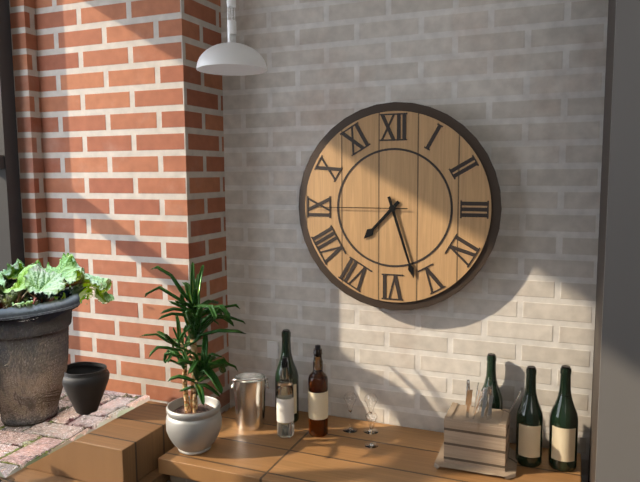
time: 7:27:45
